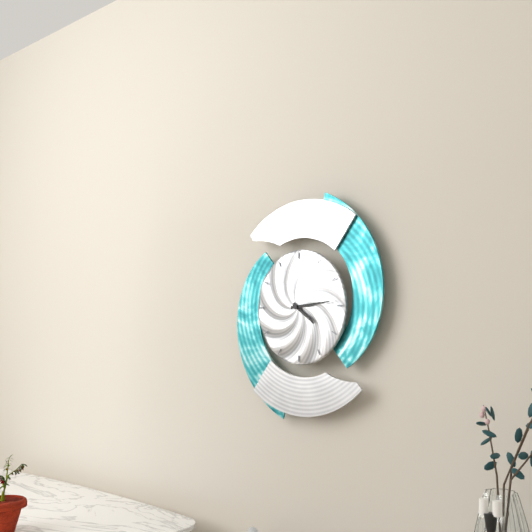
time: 4:14
